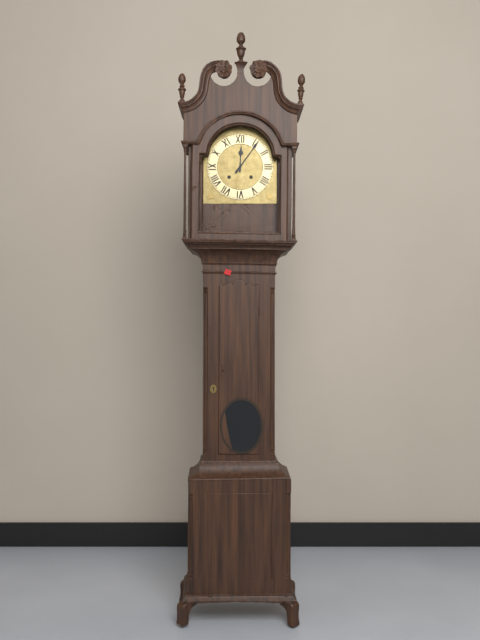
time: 12:06
